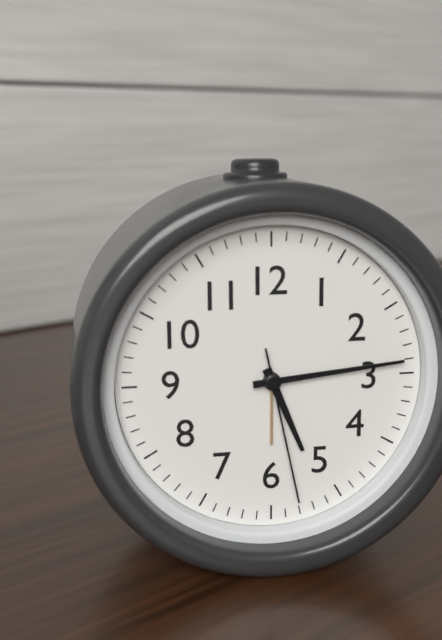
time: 5:14:28
